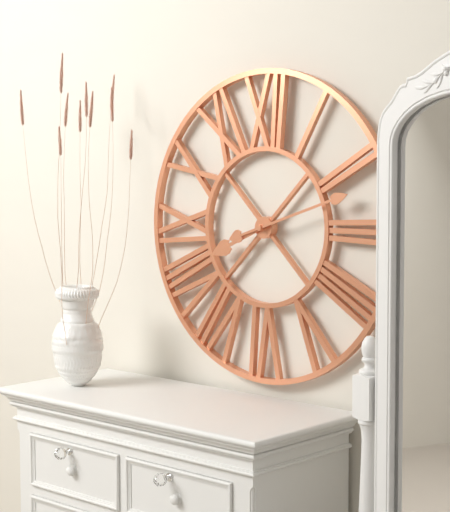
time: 8:12
